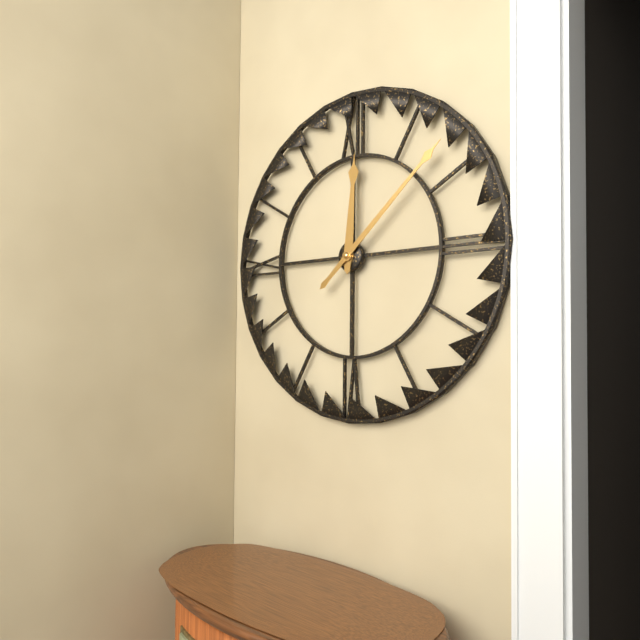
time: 12:08
